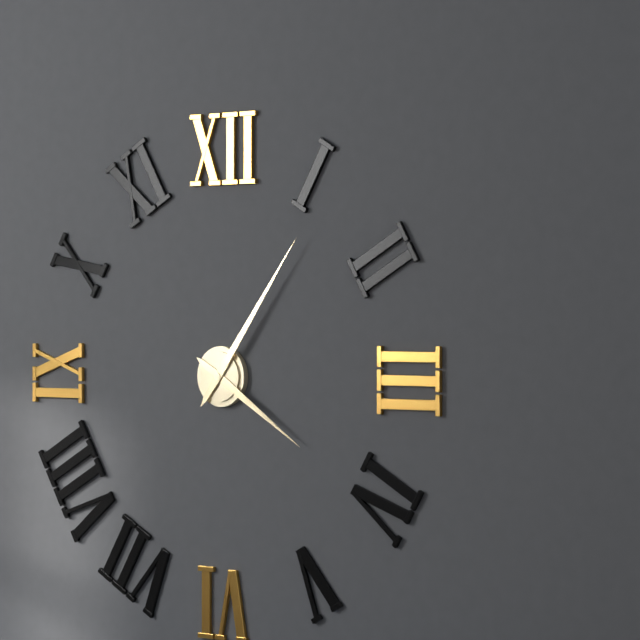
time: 4:06
